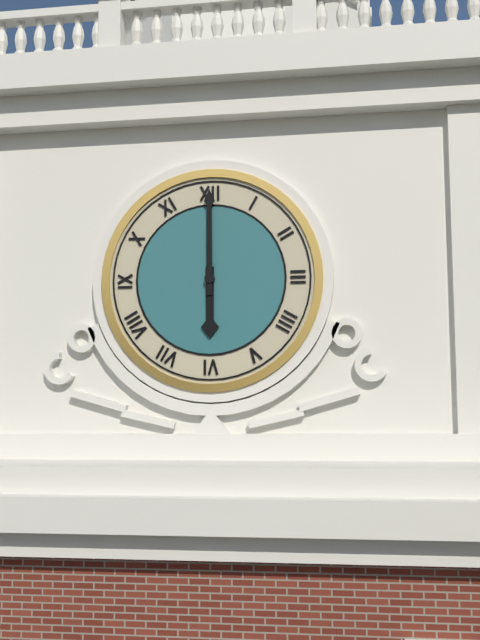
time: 6:00
